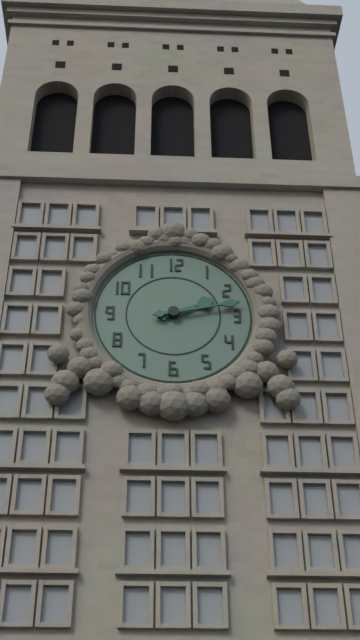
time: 2:13
